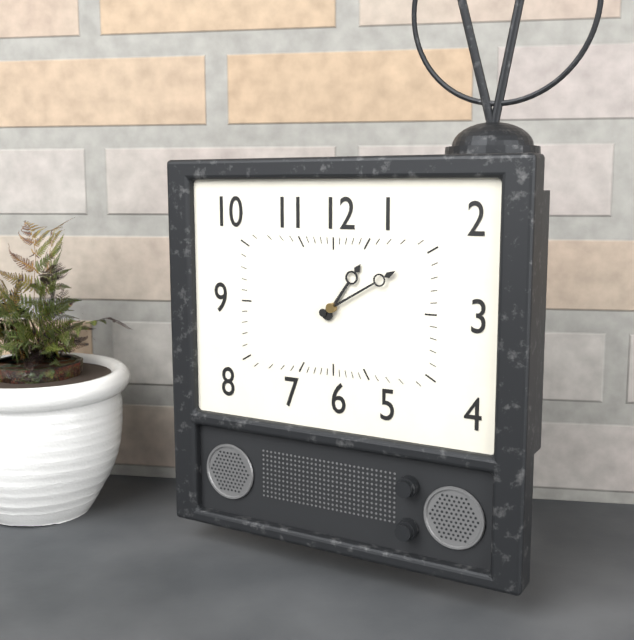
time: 1:10
